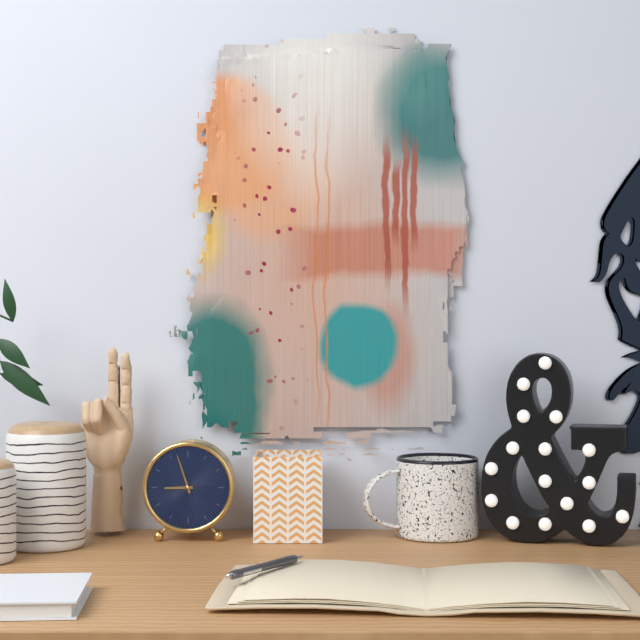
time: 8:57
